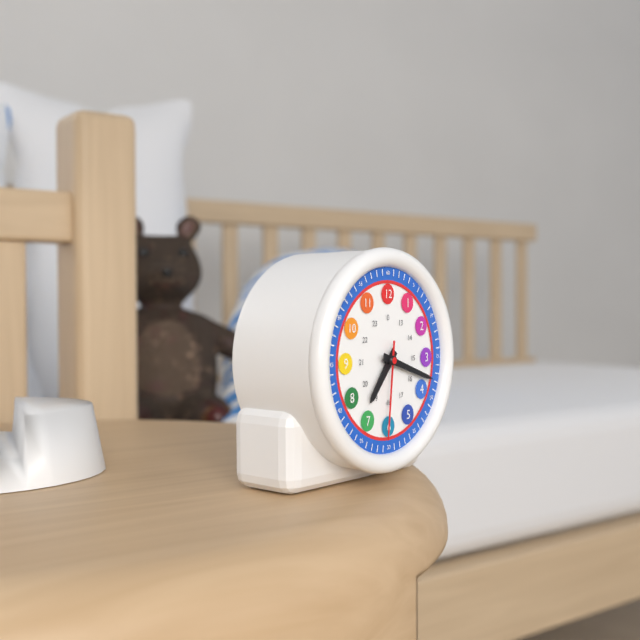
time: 7:18:31
